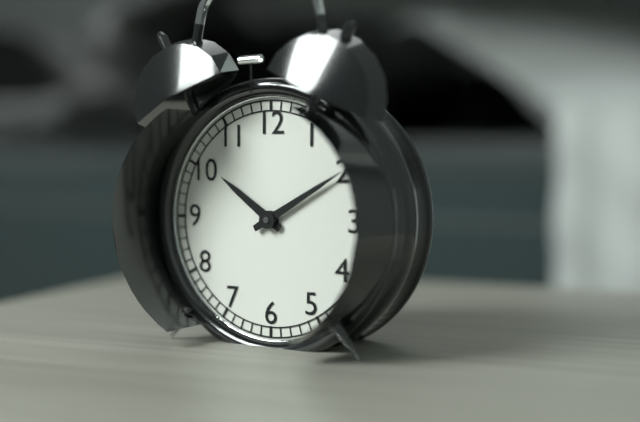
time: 10:10
